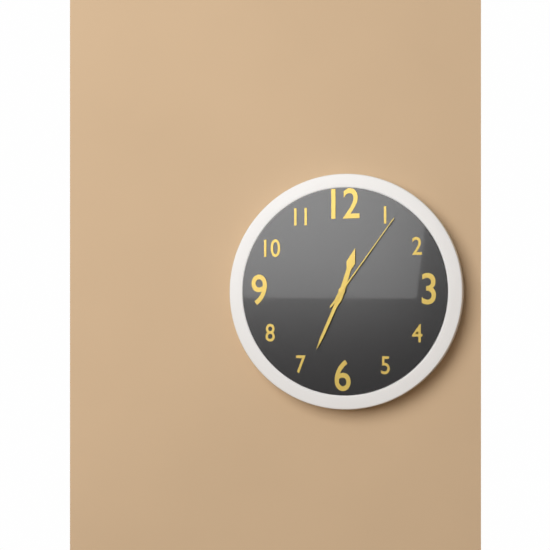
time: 12:34:06
